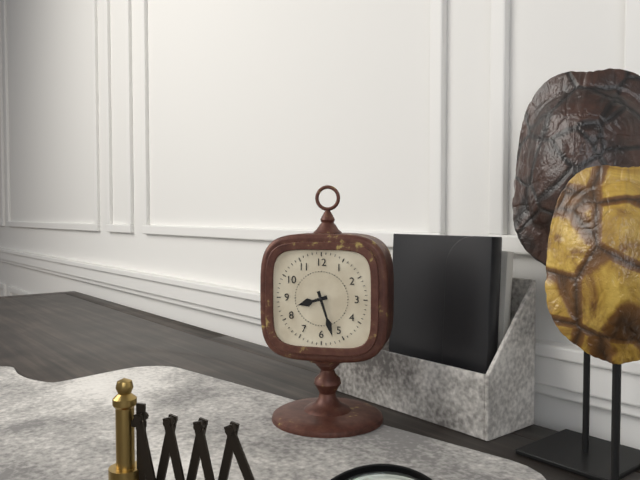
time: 8:27
